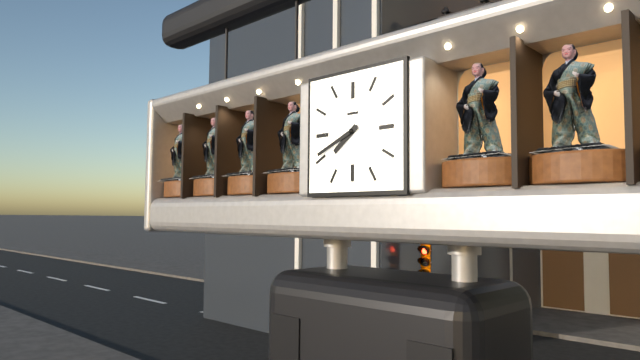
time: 7:41
